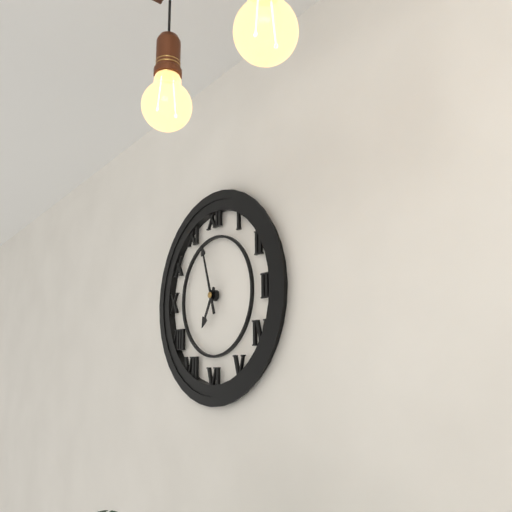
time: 6:57
